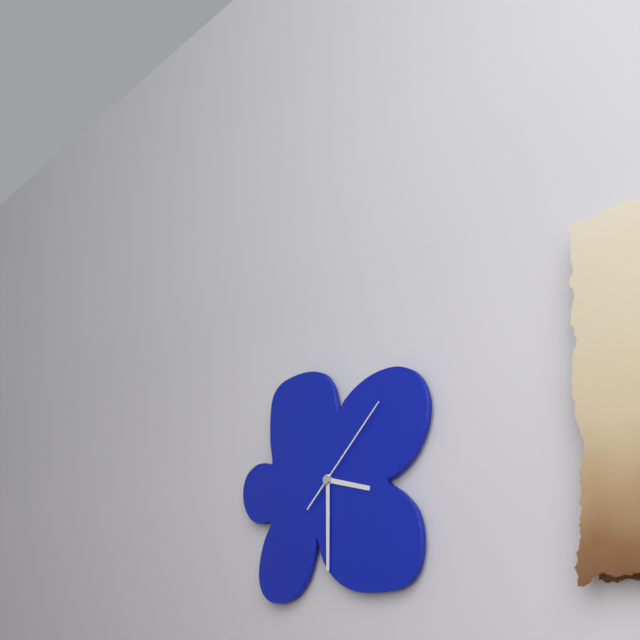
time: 3:30:08
